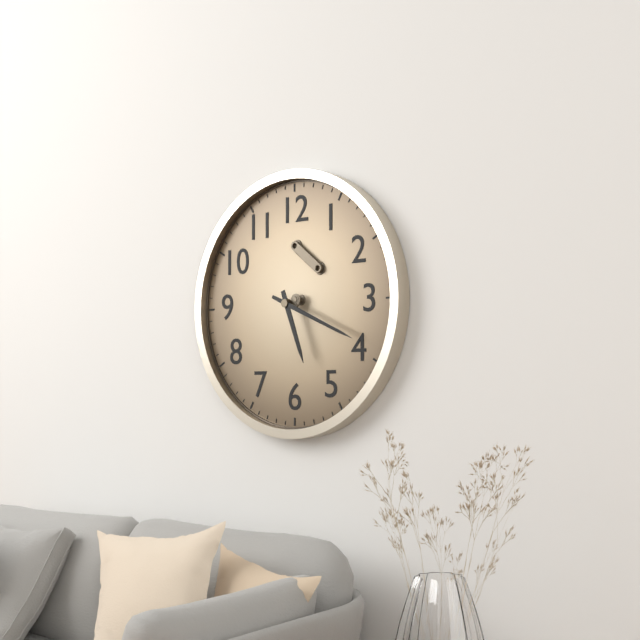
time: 5:19
